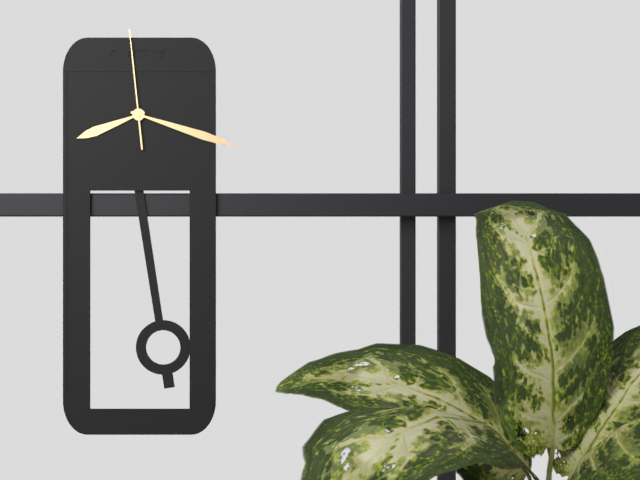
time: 8:18:59
